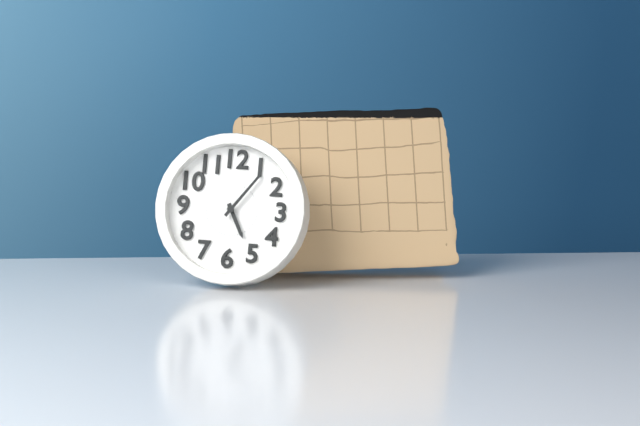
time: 5:06
